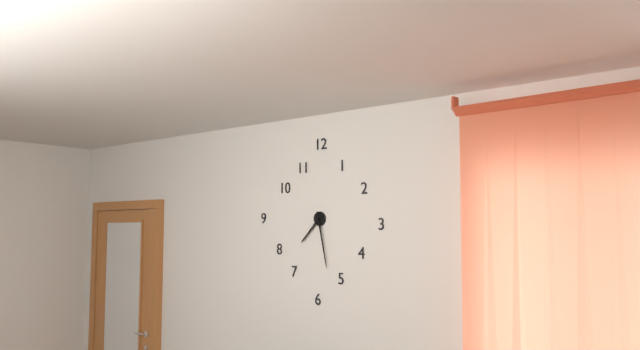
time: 7:28
